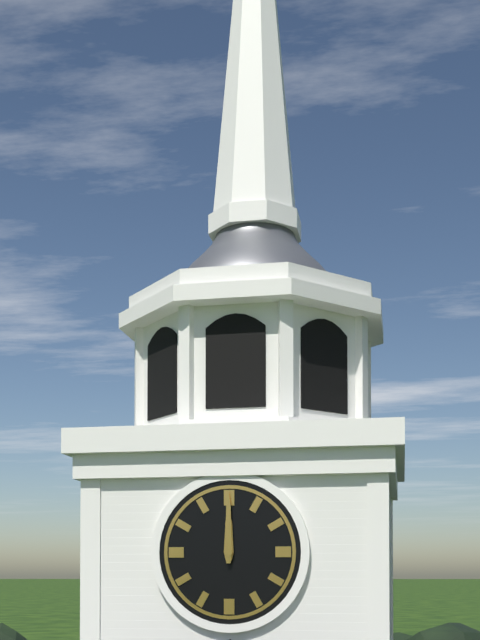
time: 12:00
